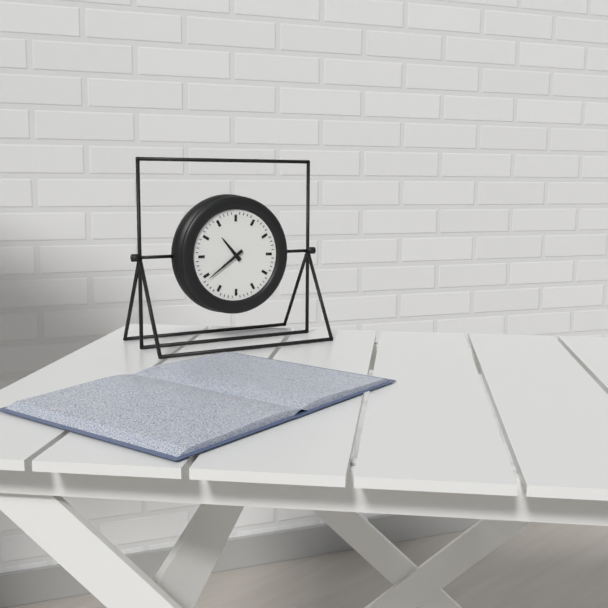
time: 10:39
